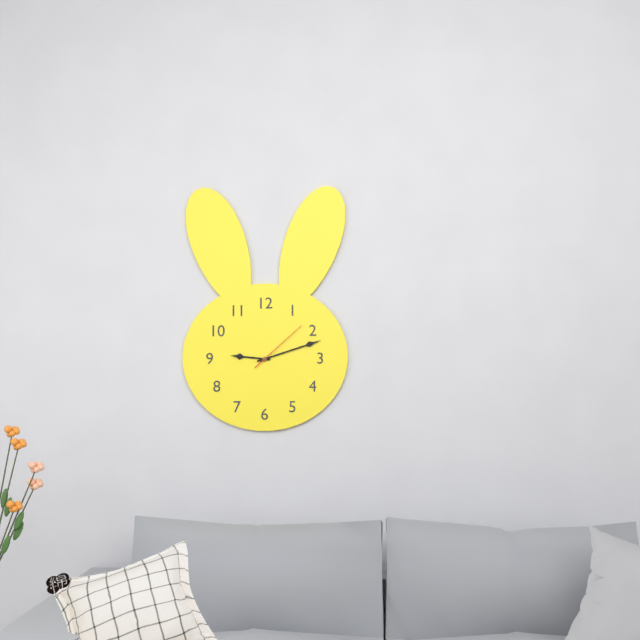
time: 9:12:08
